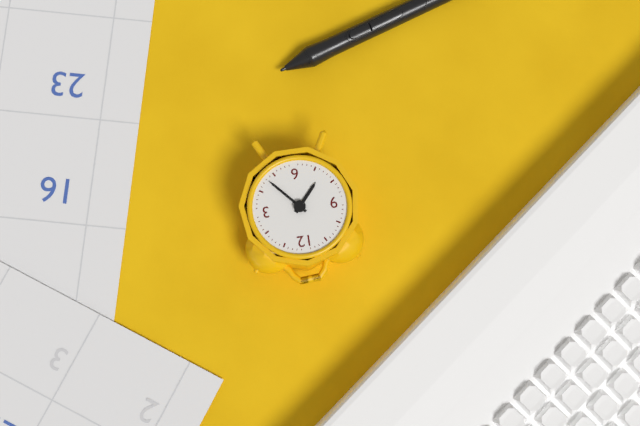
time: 7:23
